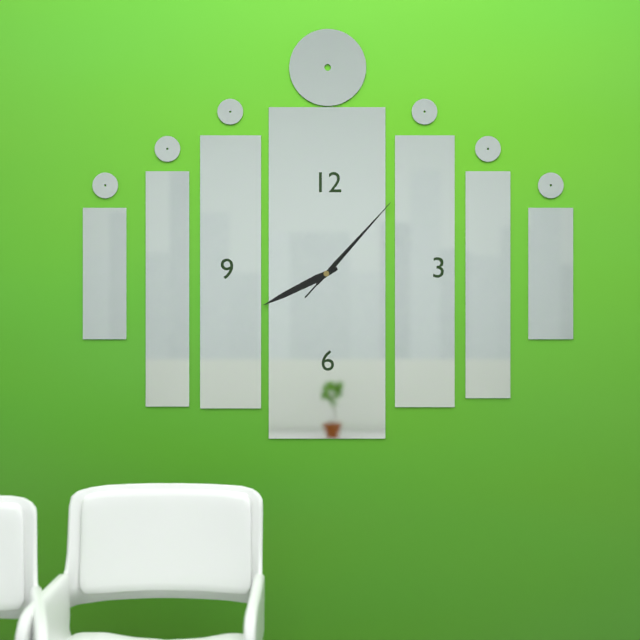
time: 8:07:07
